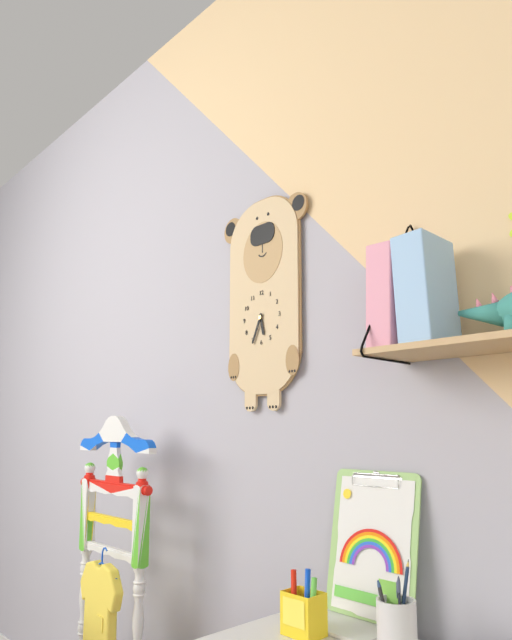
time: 5:34
